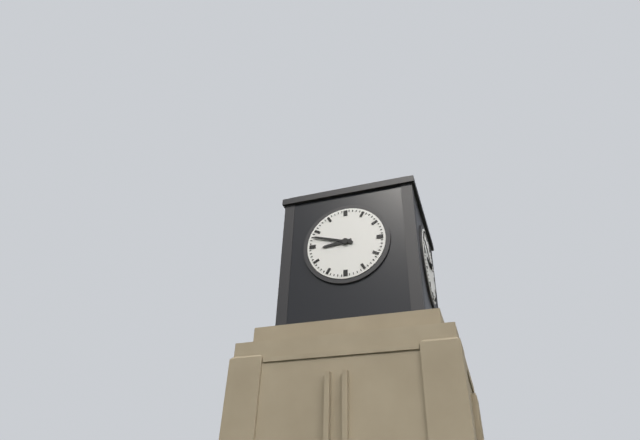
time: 8:48
